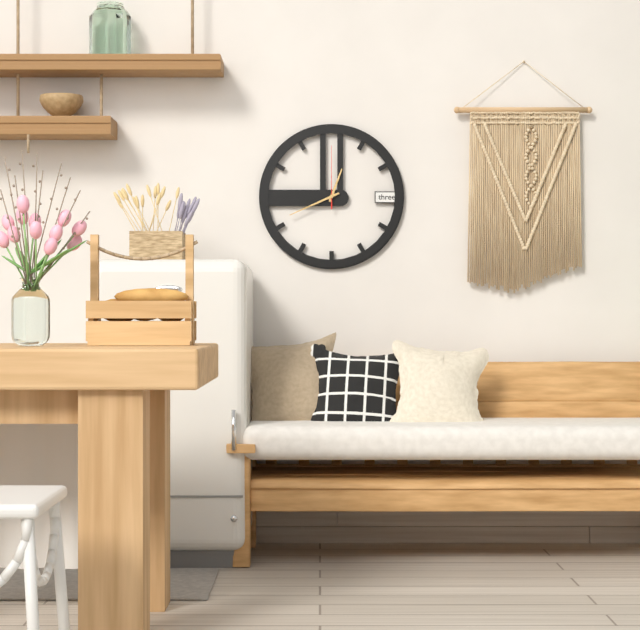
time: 12:41:00
